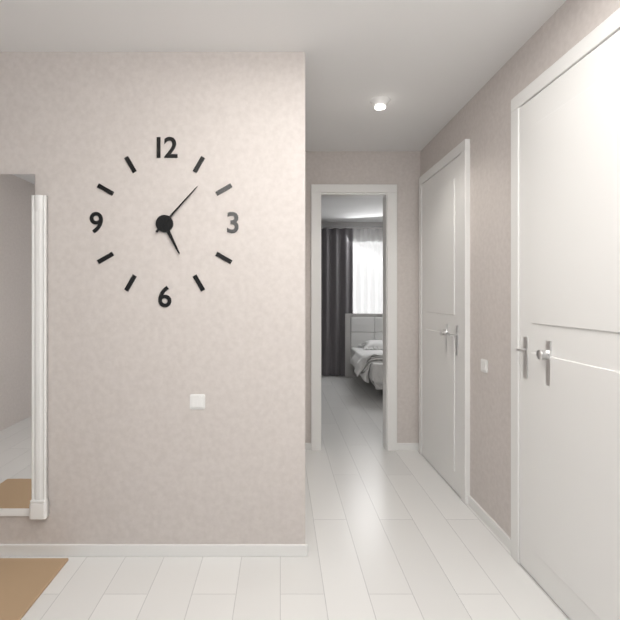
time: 5:07
